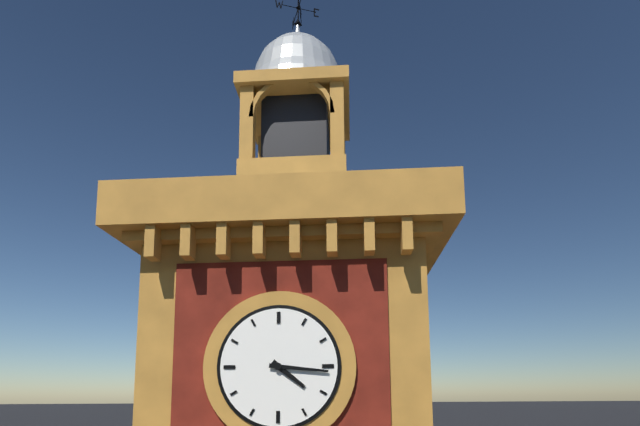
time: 4:16
